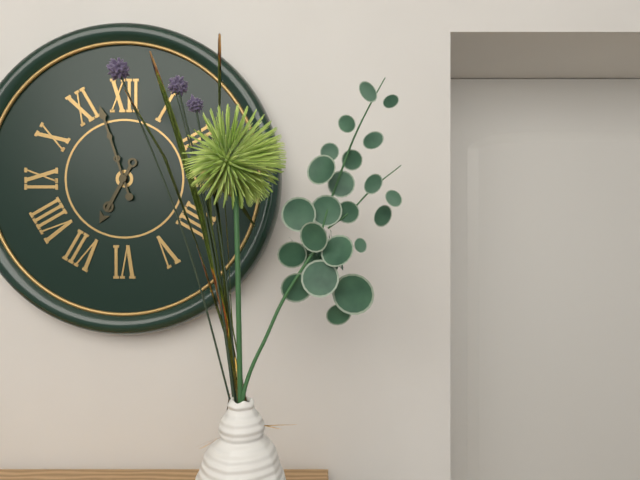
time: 6:57
